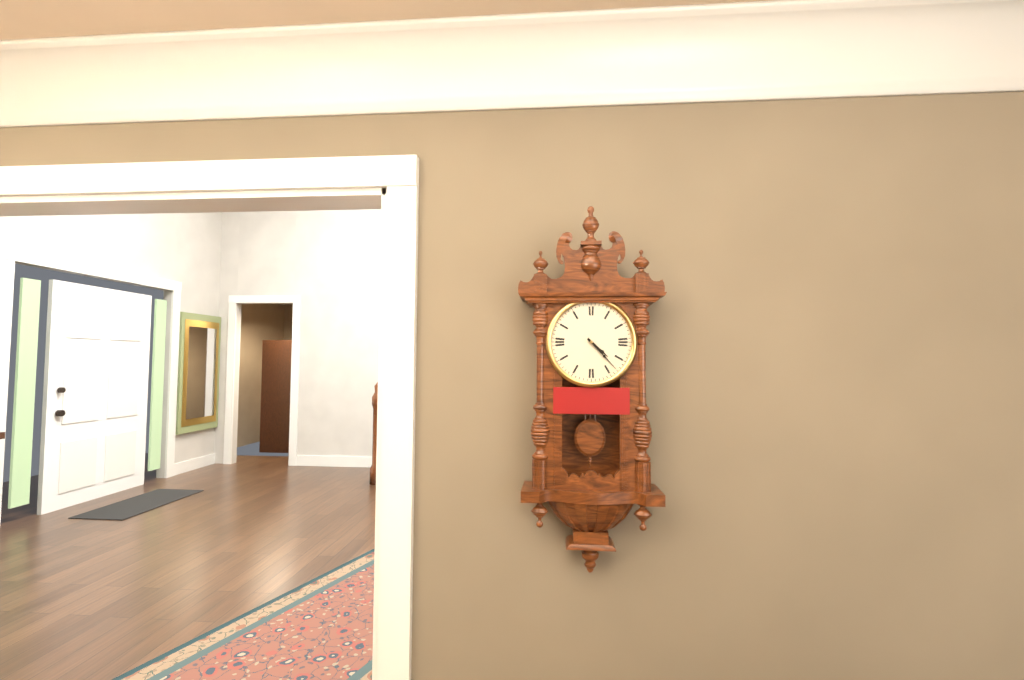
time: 4:23
